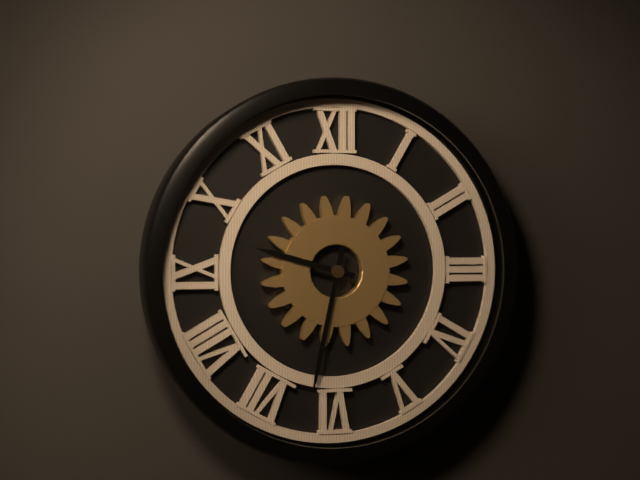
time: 9:32
